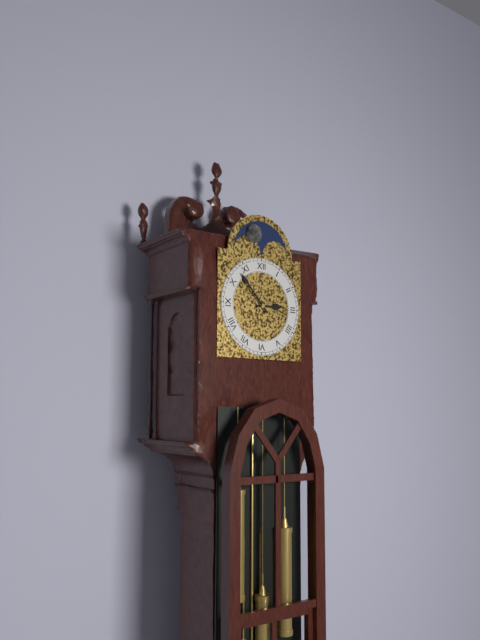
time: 2:53
